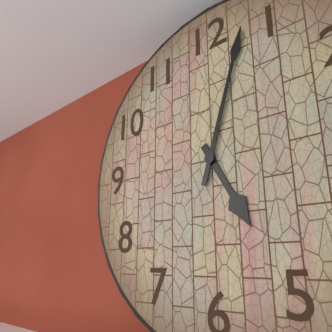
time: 5:03
